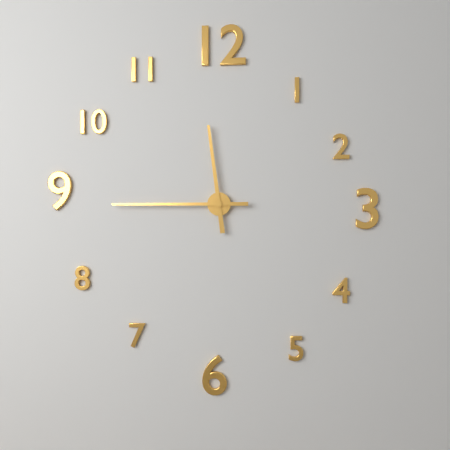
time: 11:45
